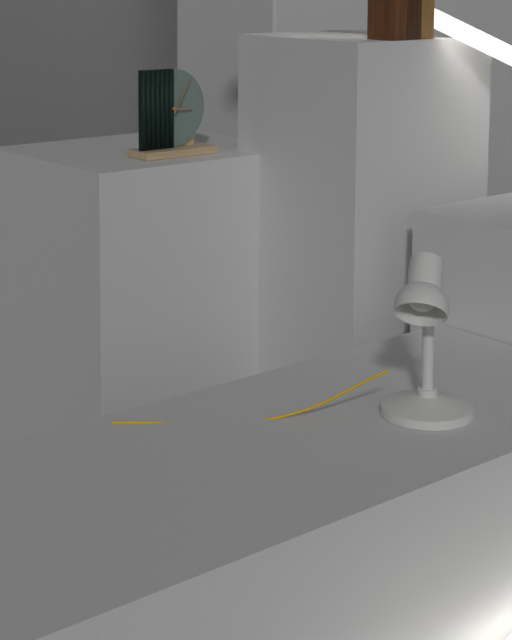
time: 3:05
